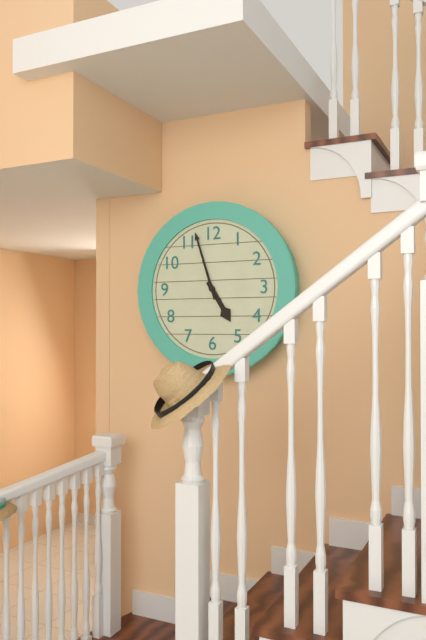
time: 4:57
